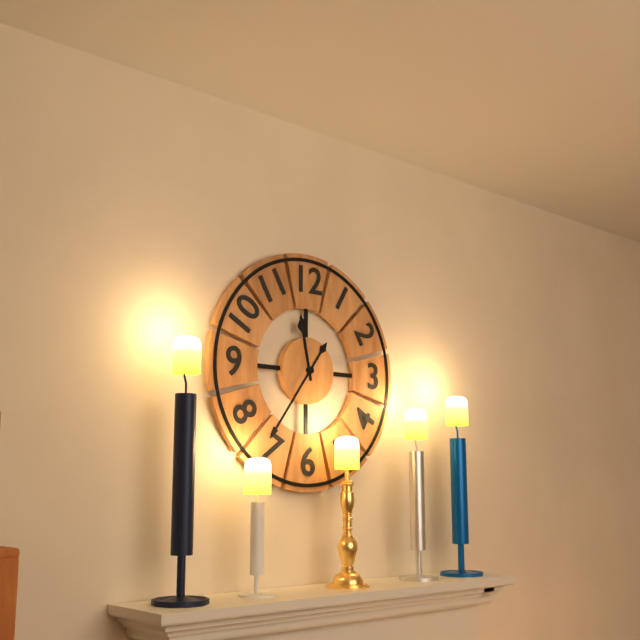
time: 11:36
